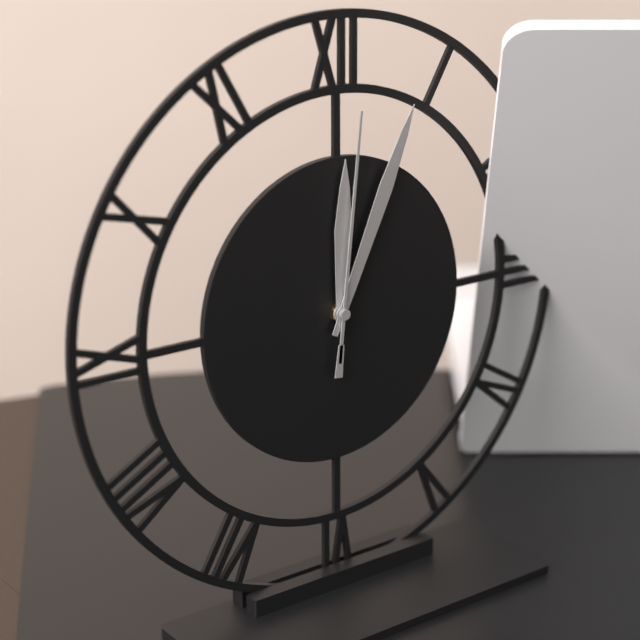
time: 12:04:01
